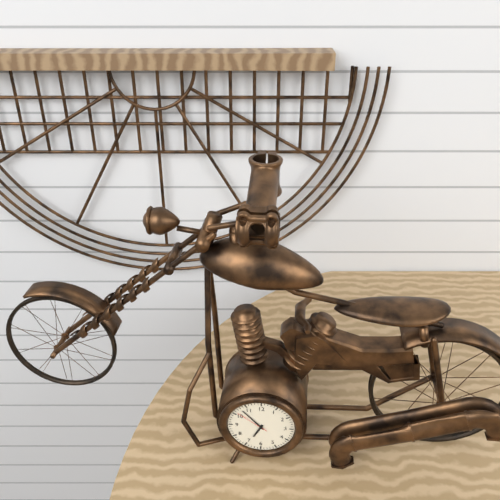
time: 6:53
